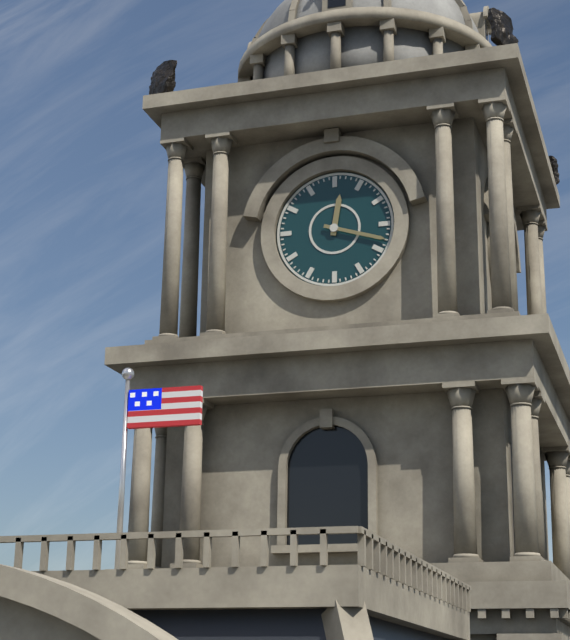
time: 12:18
